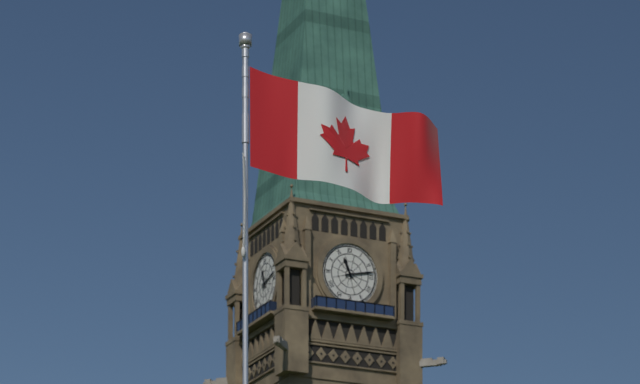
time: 11:13
